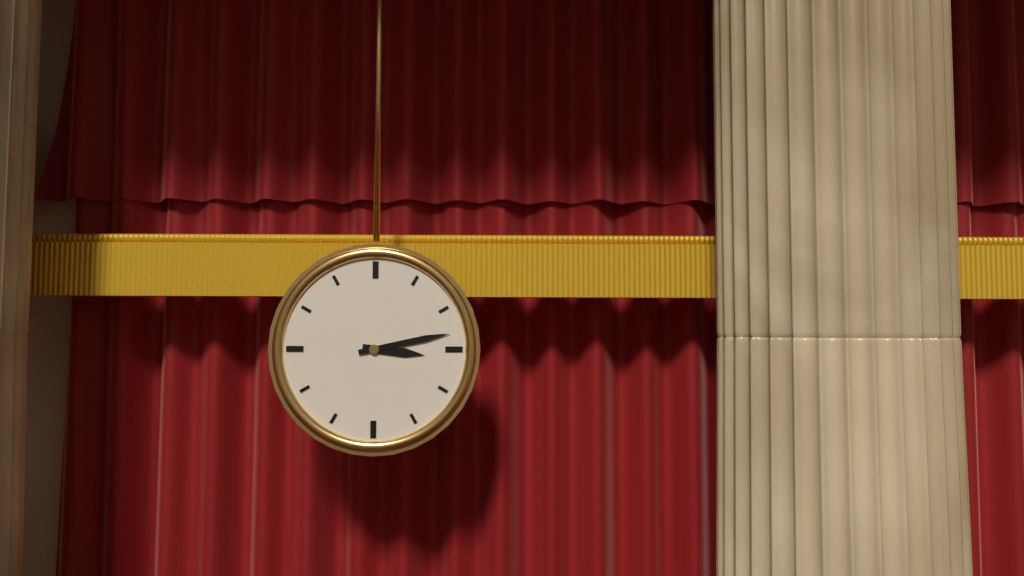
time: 3:13
